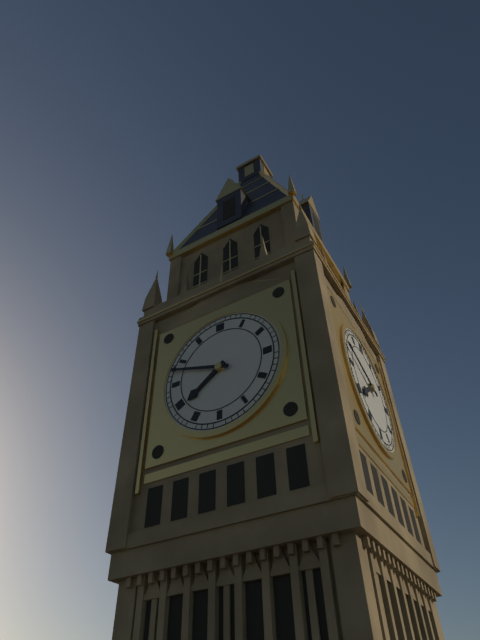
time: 7:48
